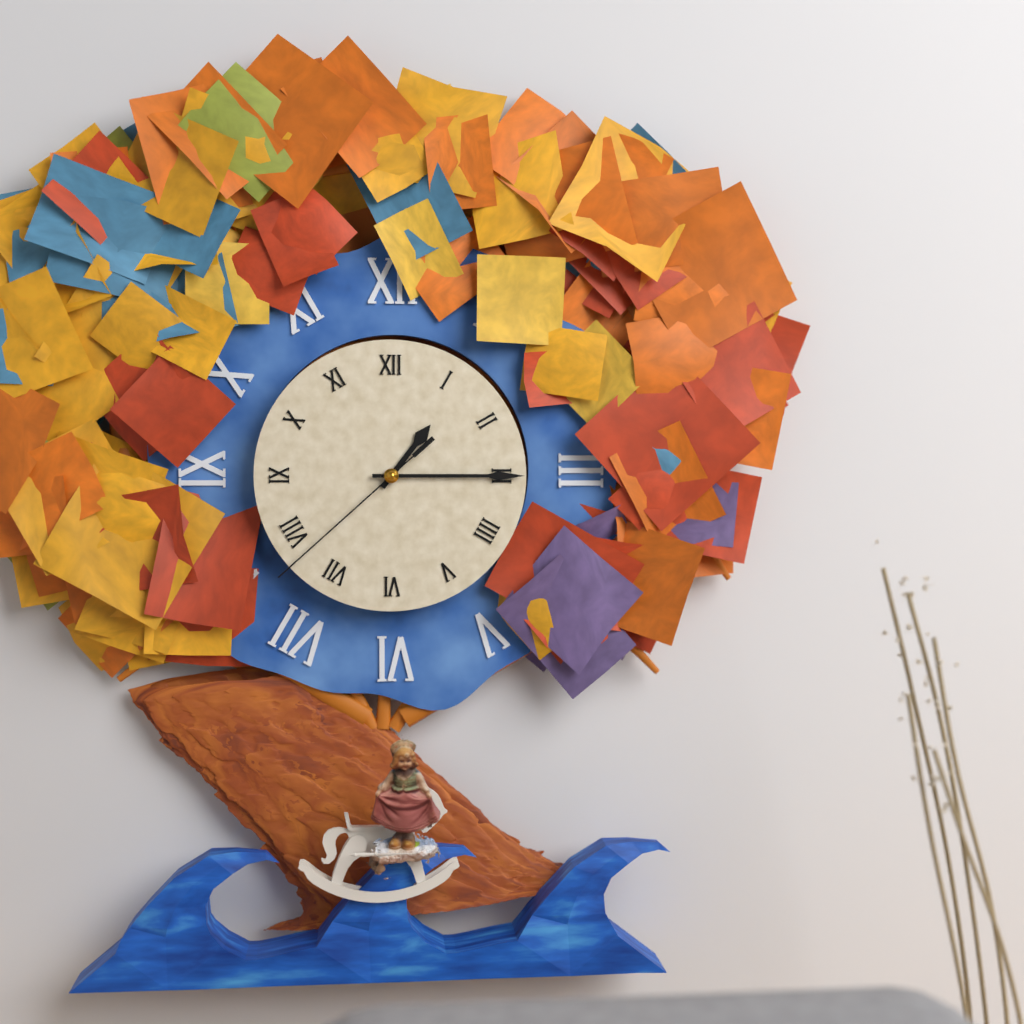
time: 1:15:38
